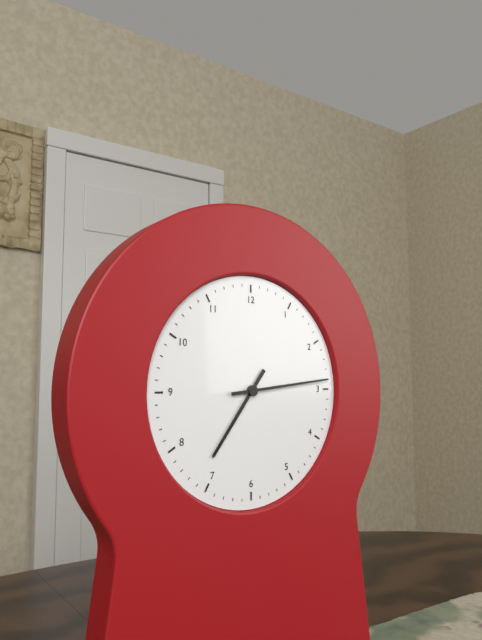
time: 7:14
